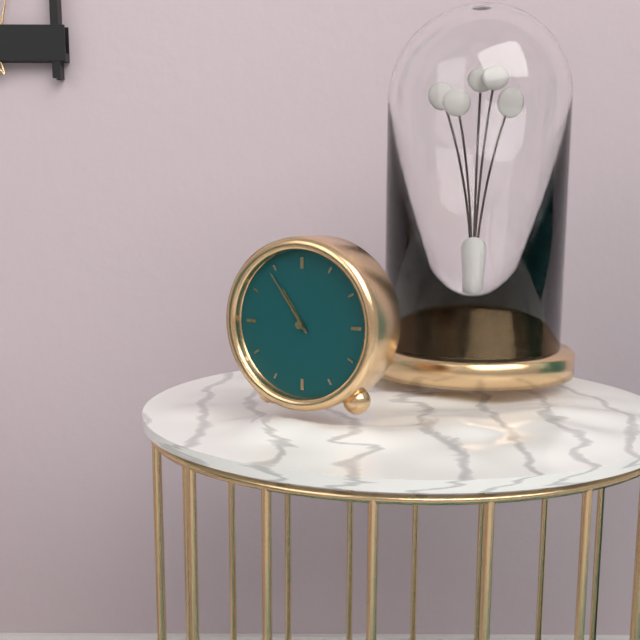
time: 10:54
